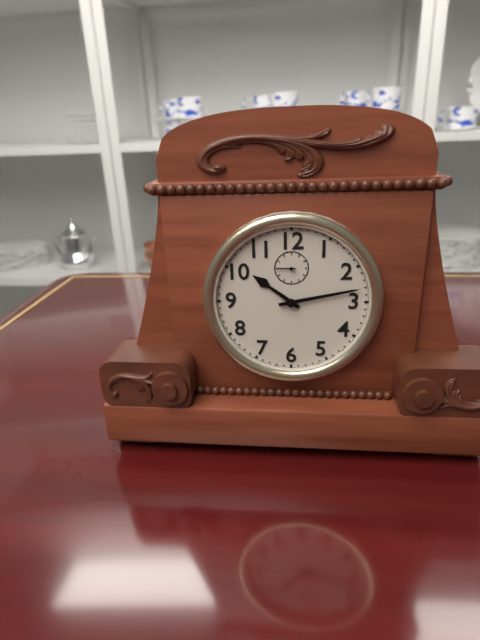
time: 10:13
